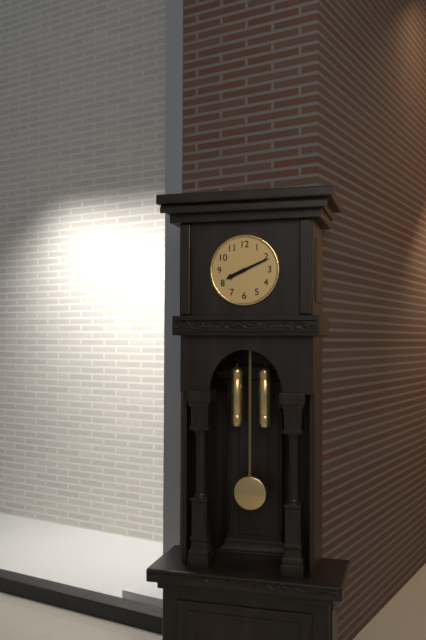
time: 8:11
